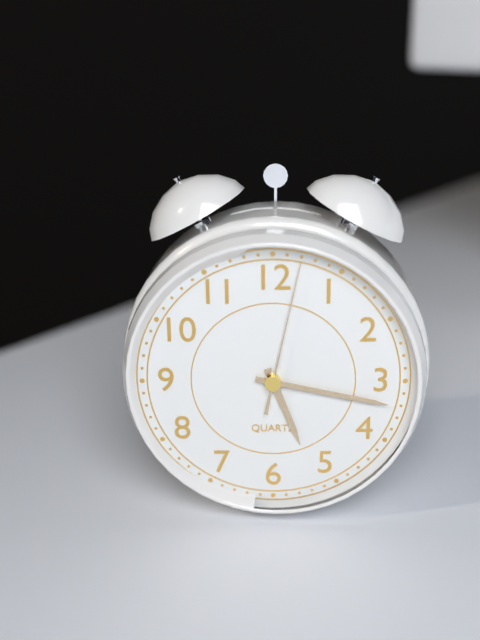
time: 5:17:02
